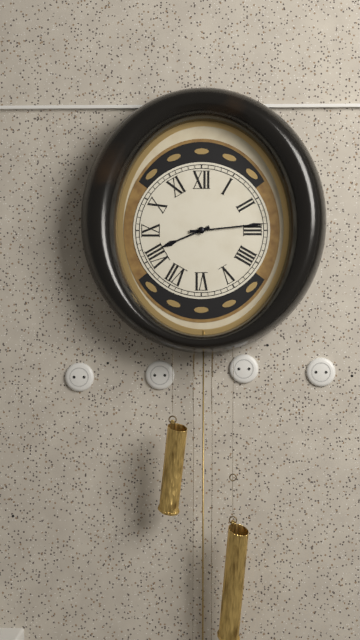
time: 8:14
